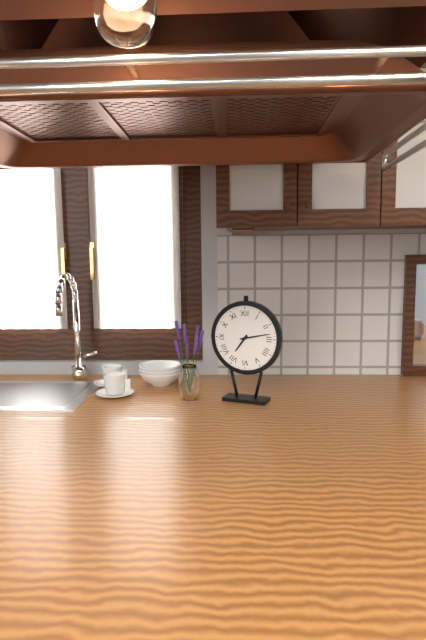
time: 7:13
